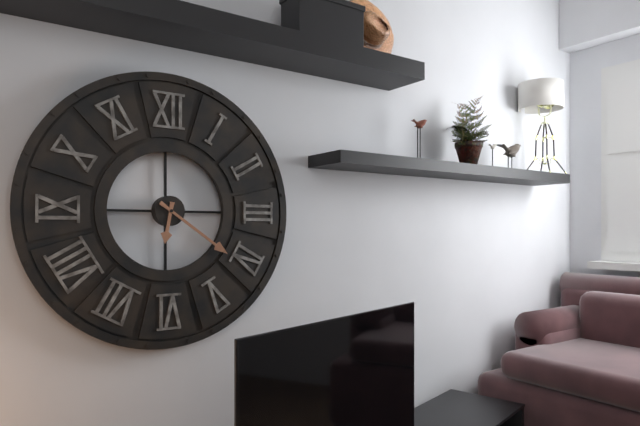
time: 6:21
